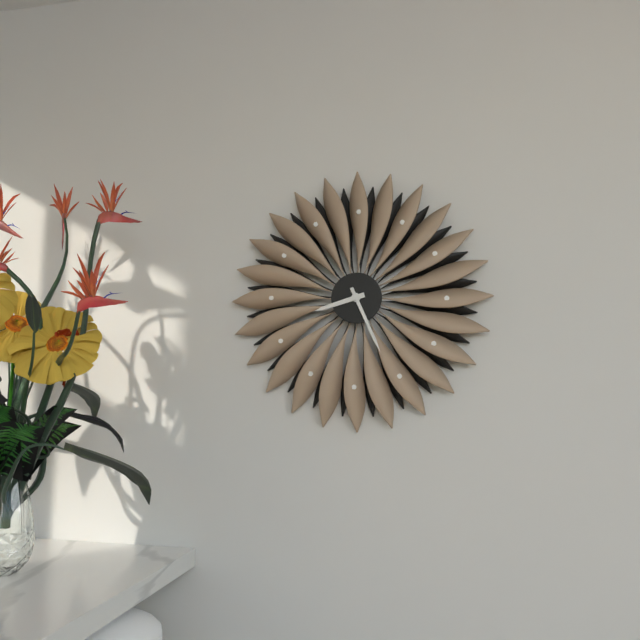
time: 8:26
